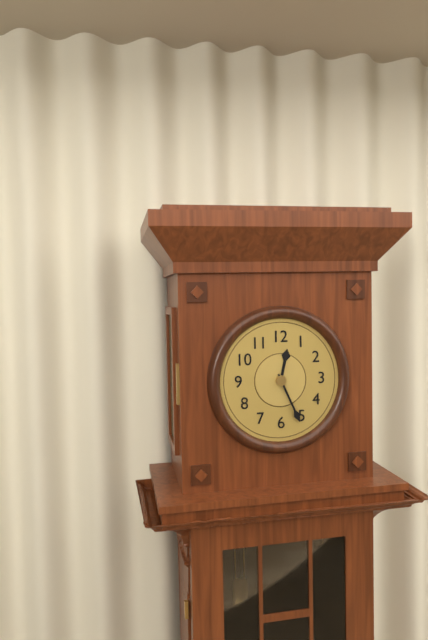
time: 12:26
